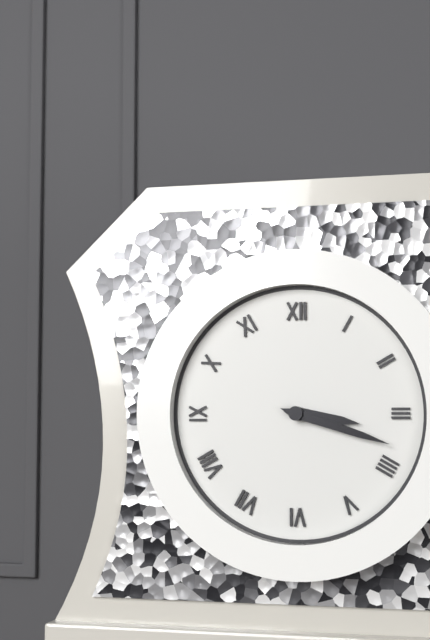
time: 3:18
